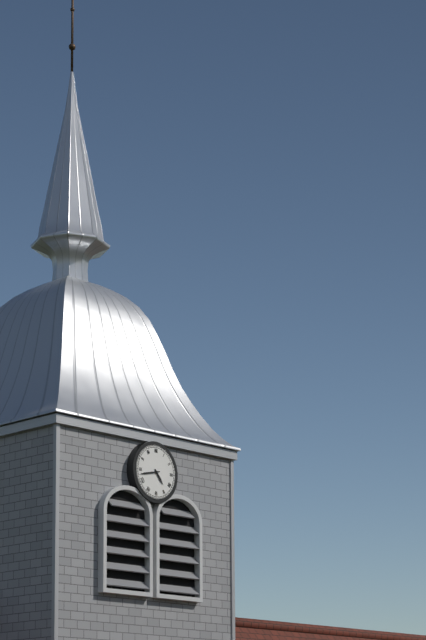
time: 4:43
